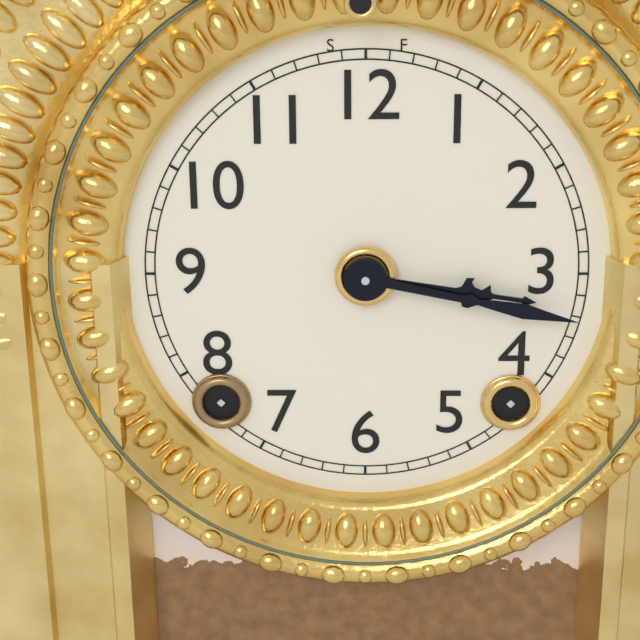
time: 3:17
